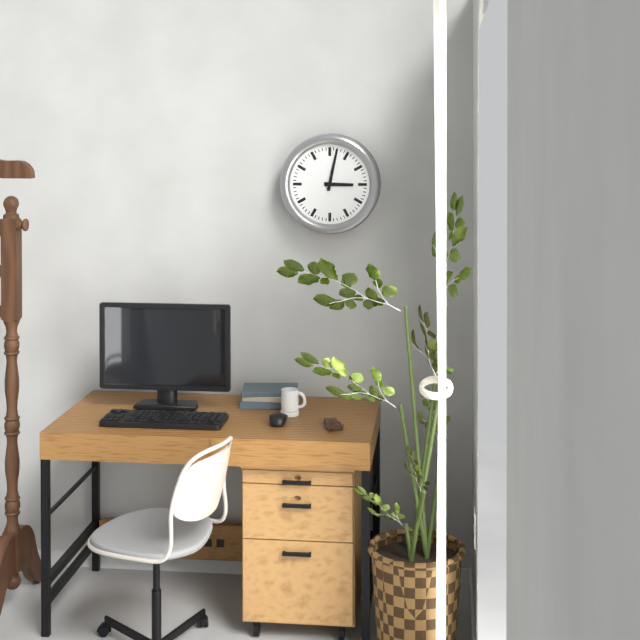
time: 3:02
